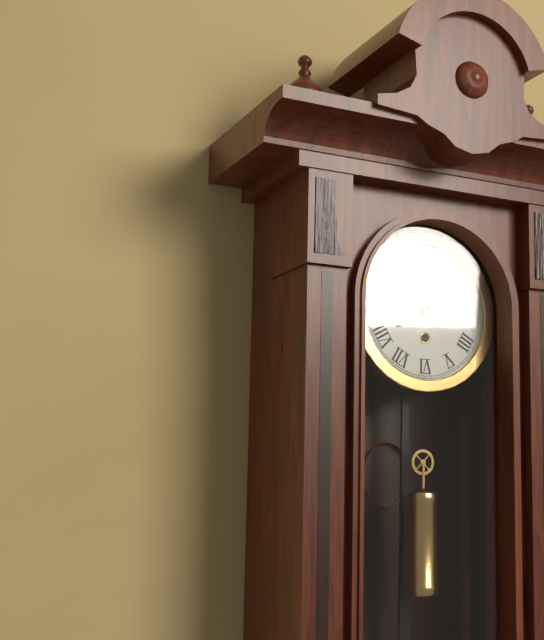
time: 8:07
